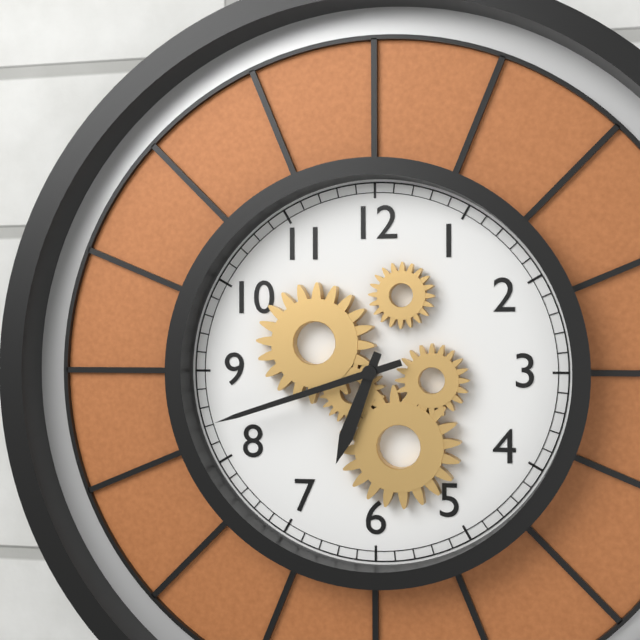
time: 6:42
